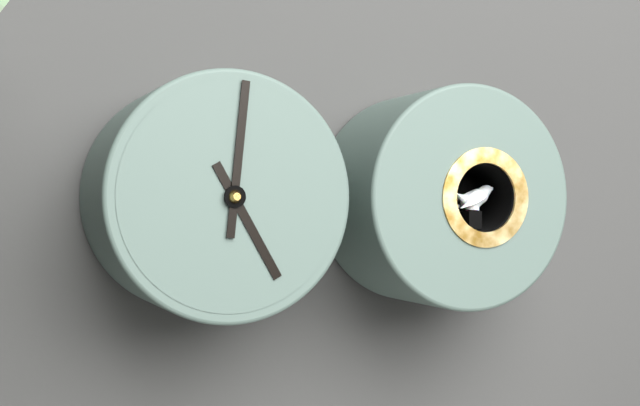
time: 5:01
